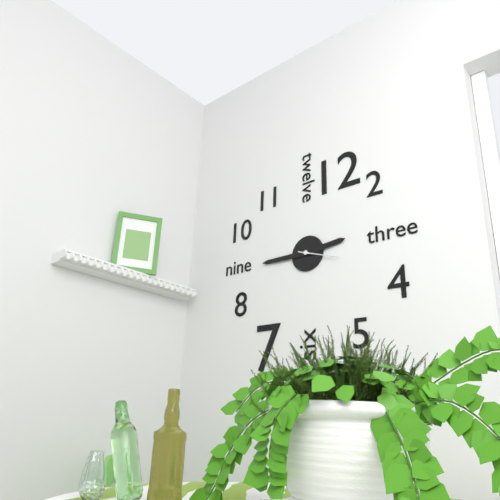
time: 2:45
